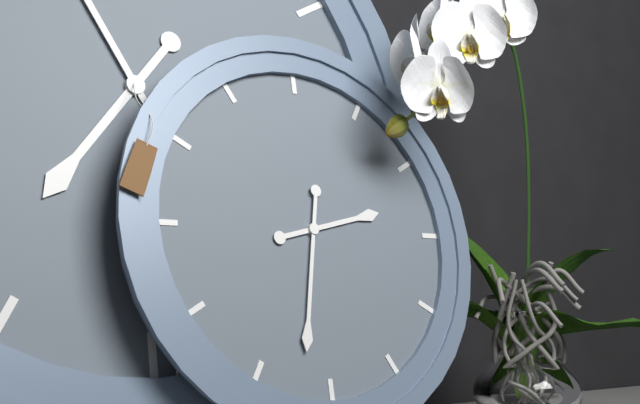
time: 2:32
